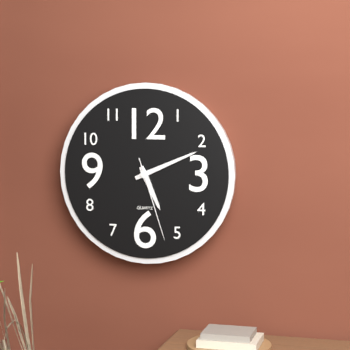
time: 5:11:27
